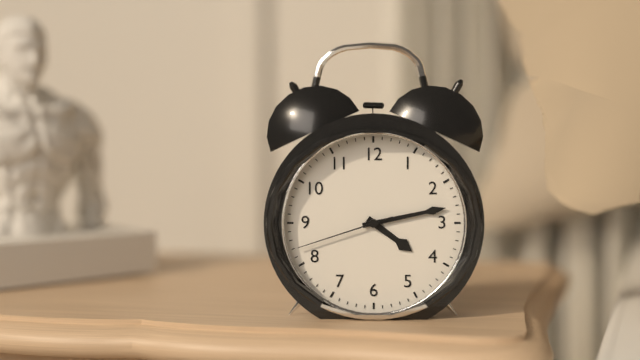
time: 4:13:42
